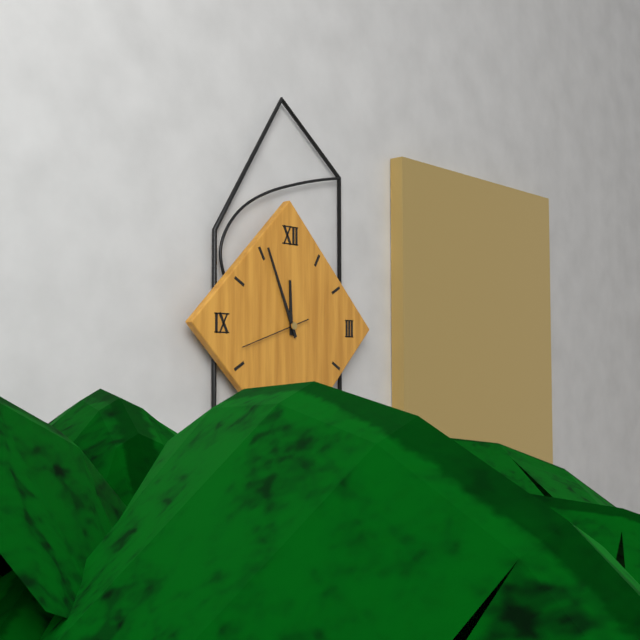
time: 11:56
